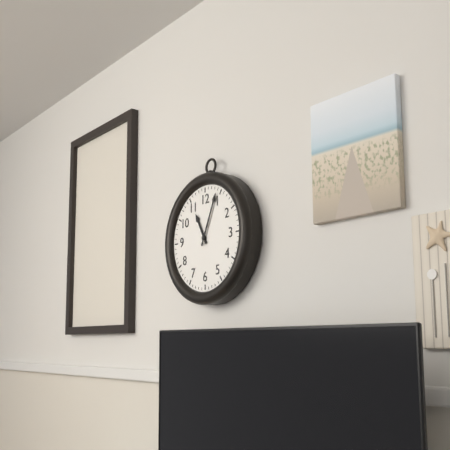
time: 11:04
